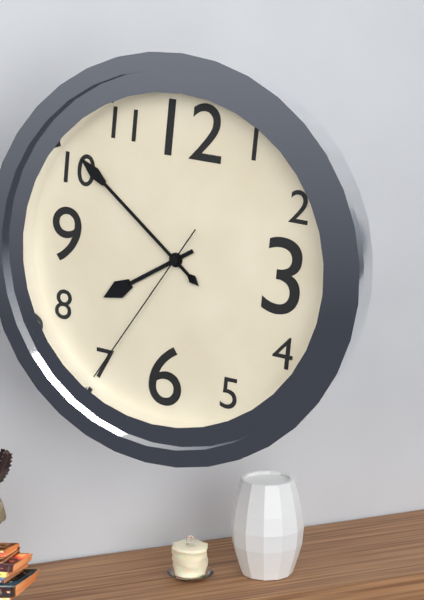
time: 7:51:35
